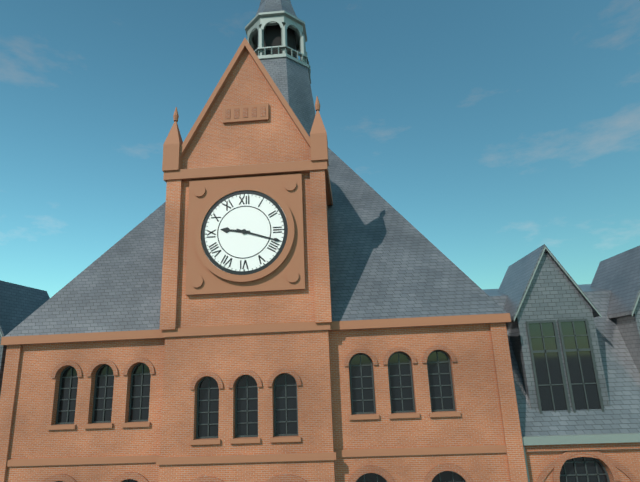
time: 9:18
